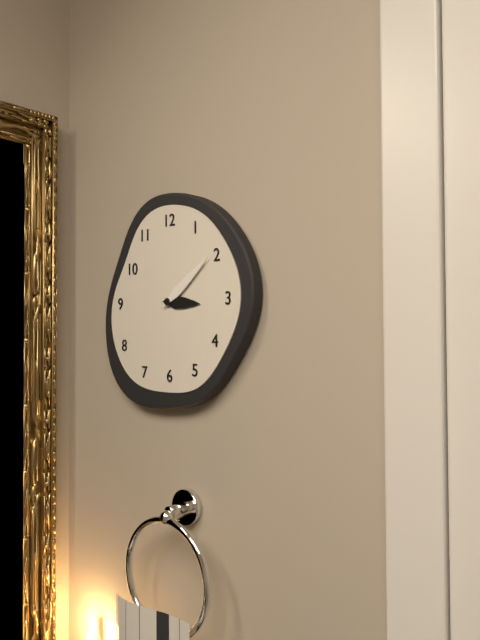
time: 3:09
